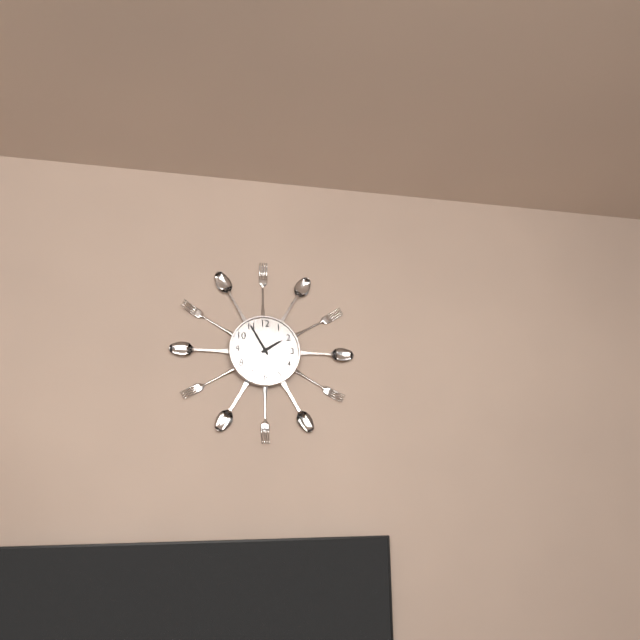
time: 1:55
